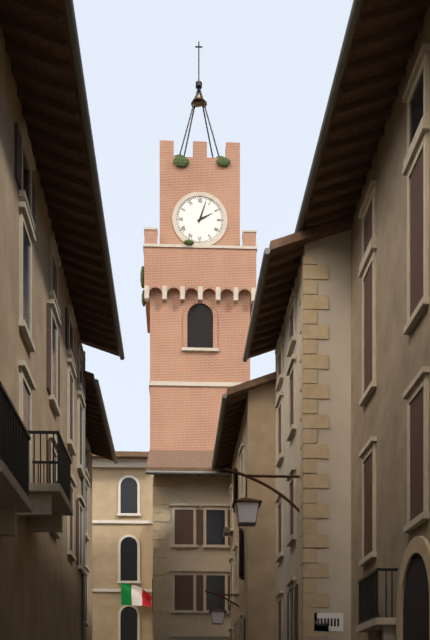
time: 2:03
